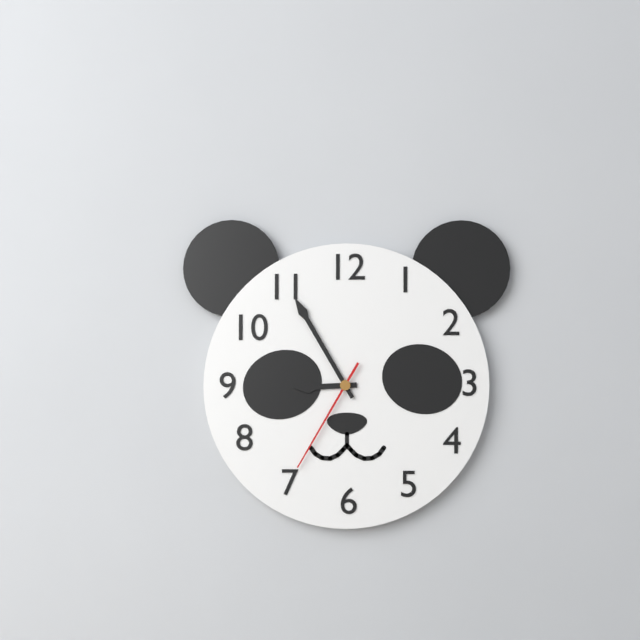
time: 8:55:35
